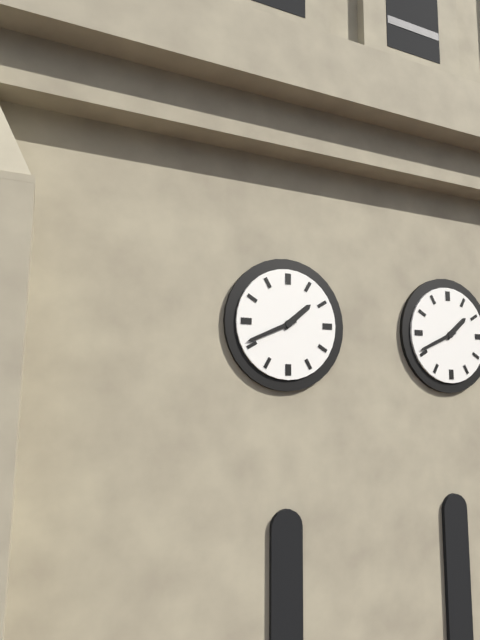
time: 1:41
